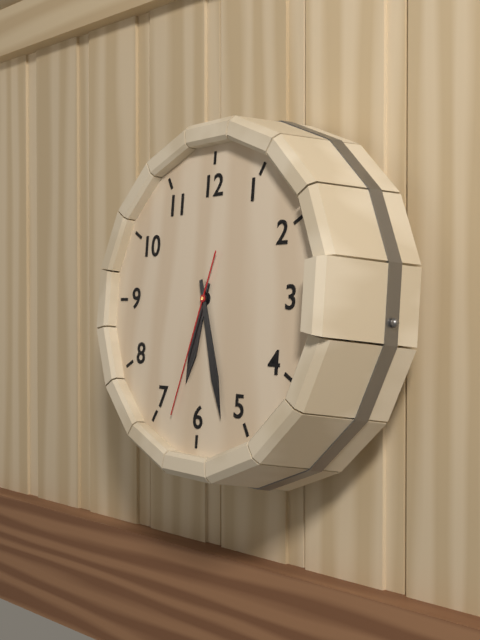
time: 6:27:33
